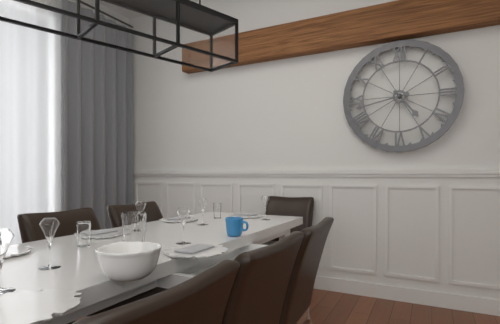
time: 4:43
